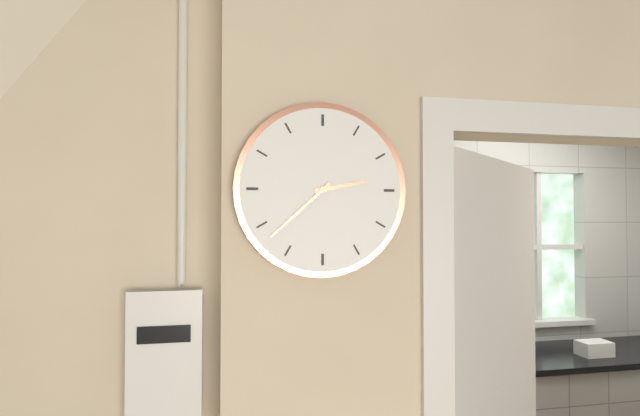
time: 2:38
